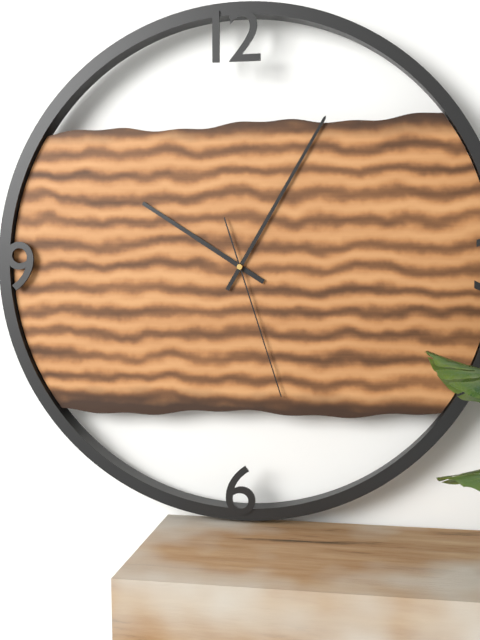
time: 10:05:27
